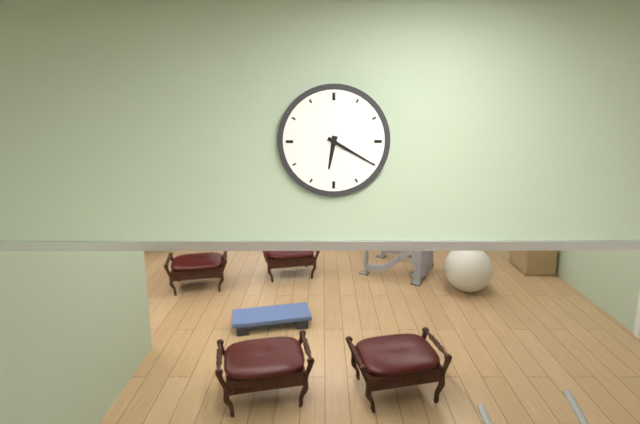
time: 6:20
